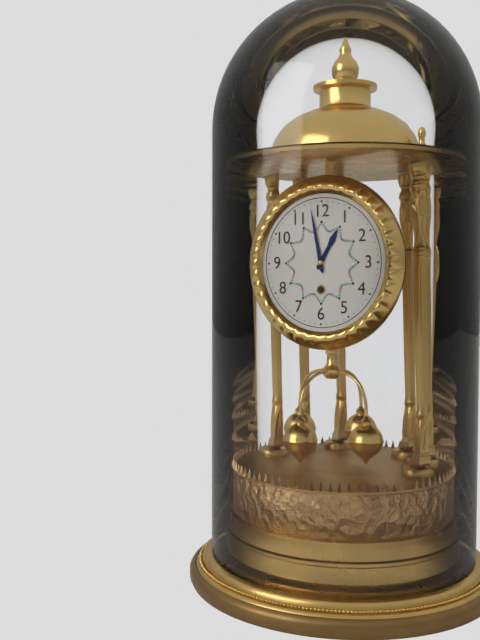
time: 12:58
